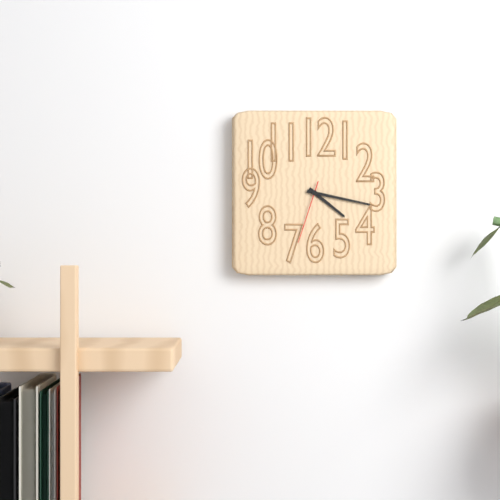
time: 4:17:33
